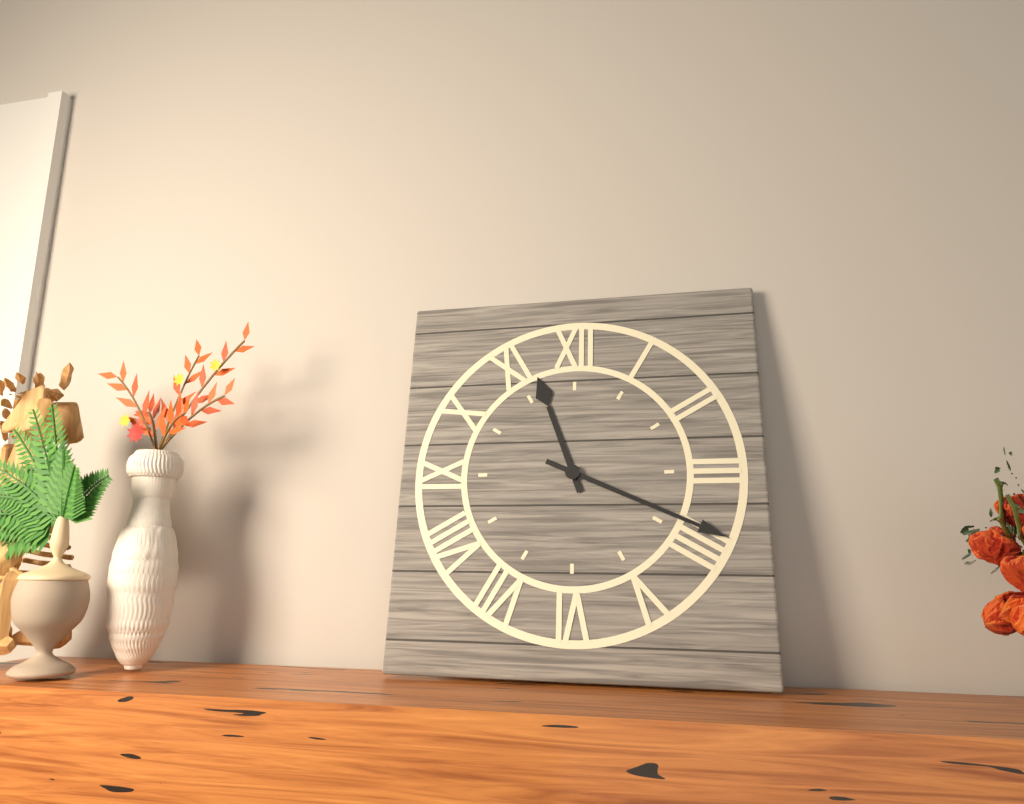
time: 11:19
